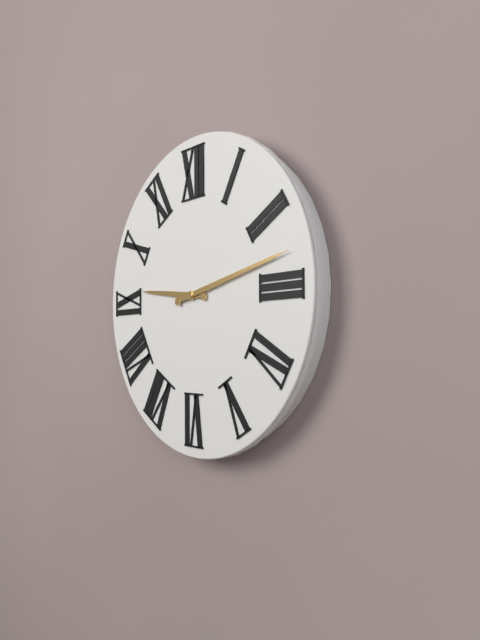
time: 9:13
